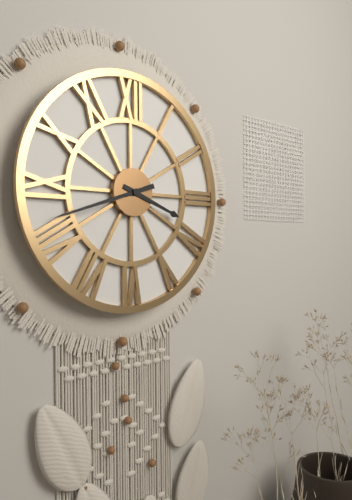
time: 3:42
